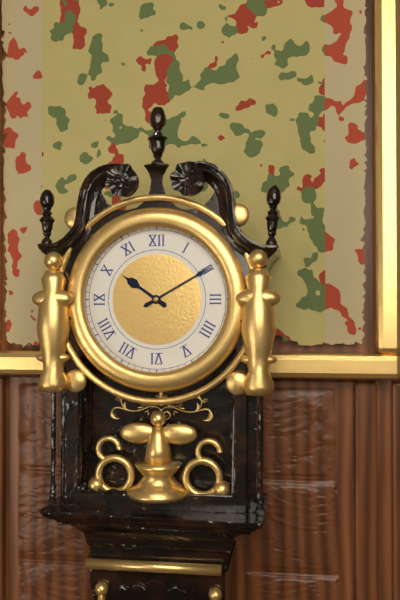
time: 10:10
